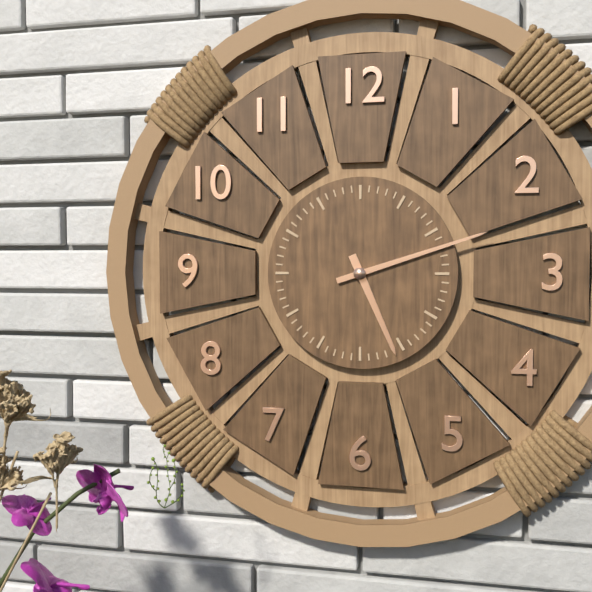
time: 5:12
